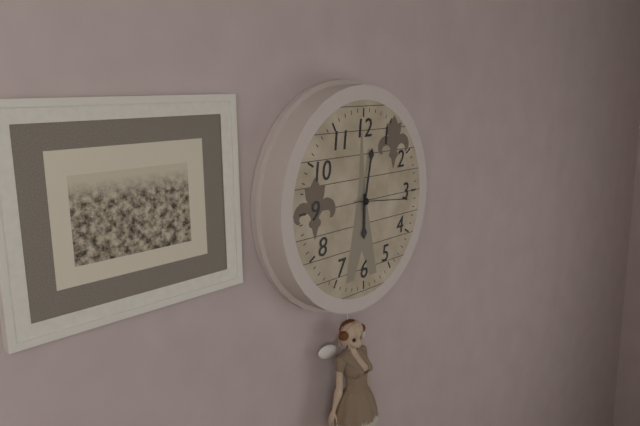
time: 6:02:16
